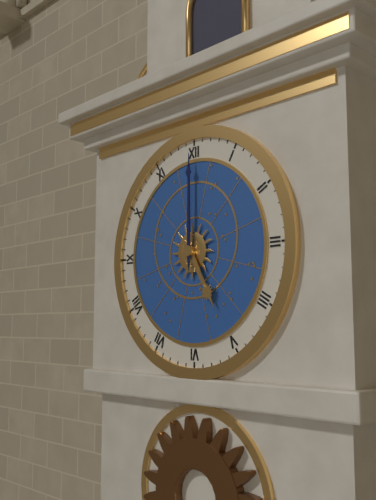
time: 5:00
